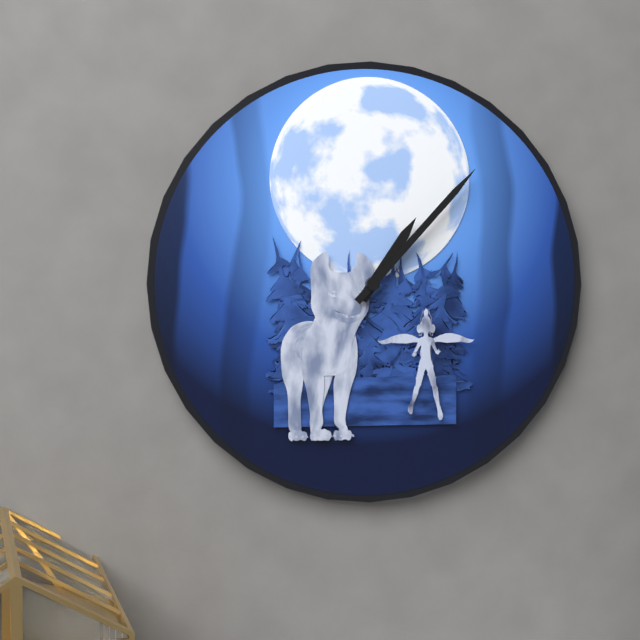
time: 1:07
